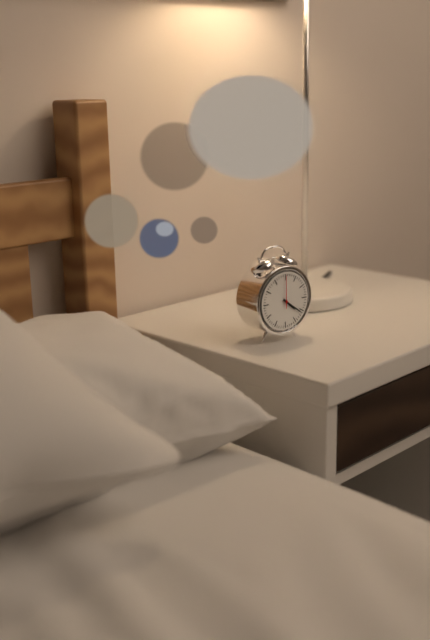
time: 4:21
